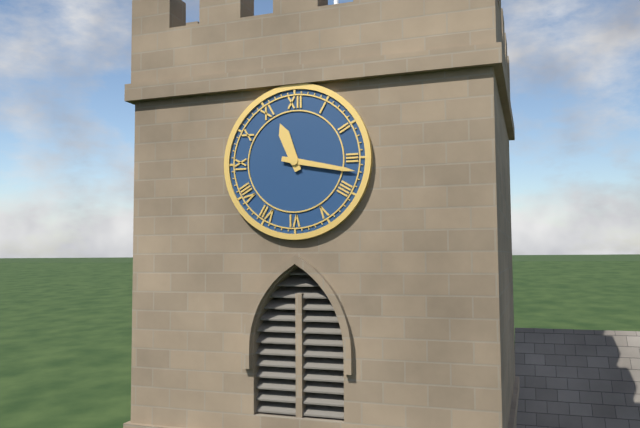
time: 11:17
